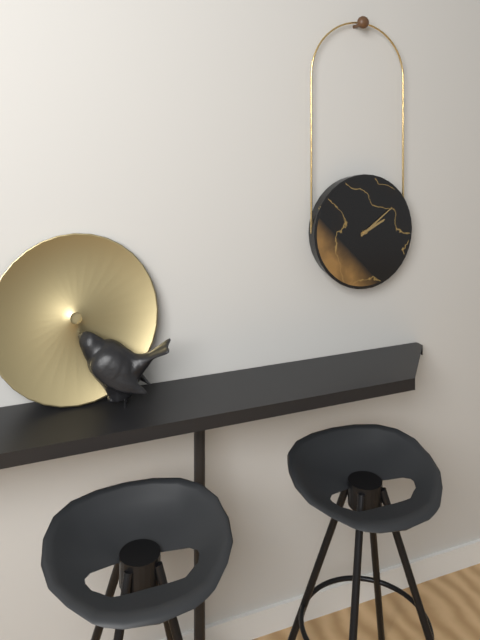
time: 2:09
